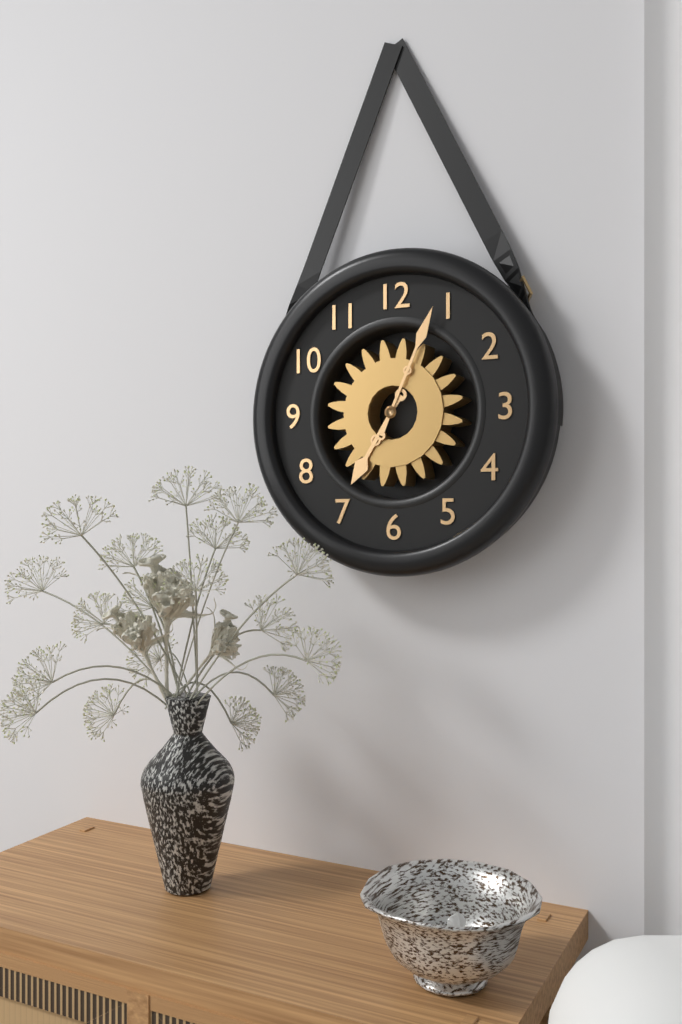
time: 7:04
